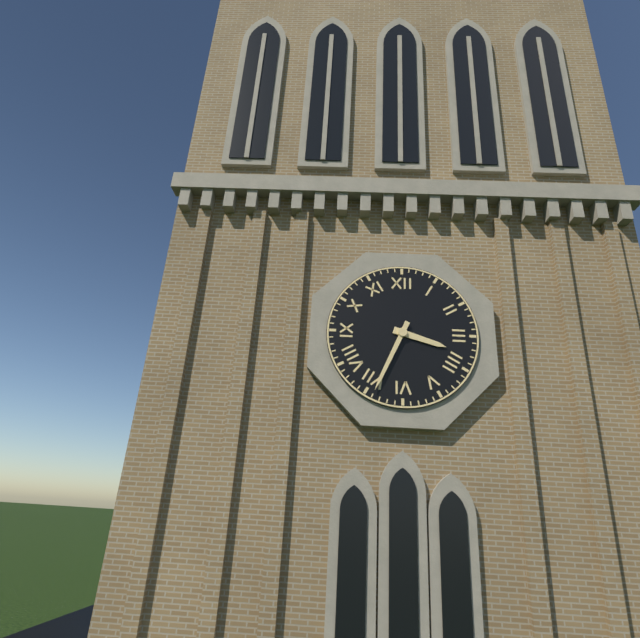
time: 3:34
